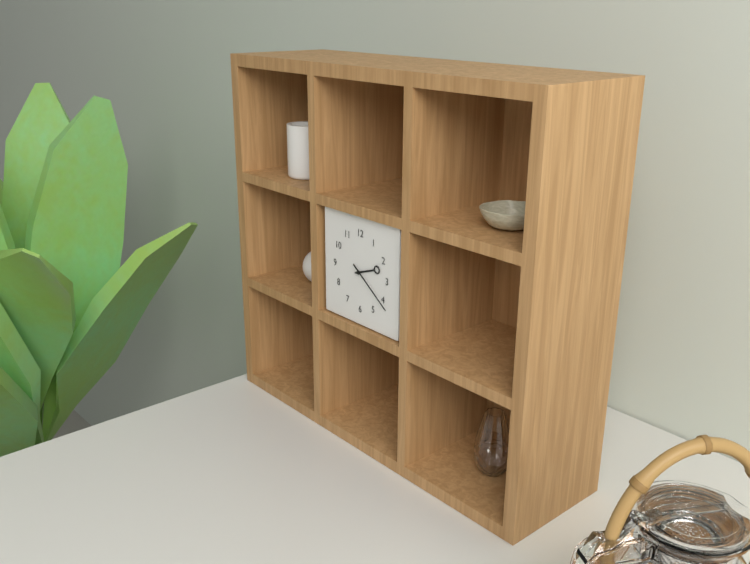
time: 2:21
